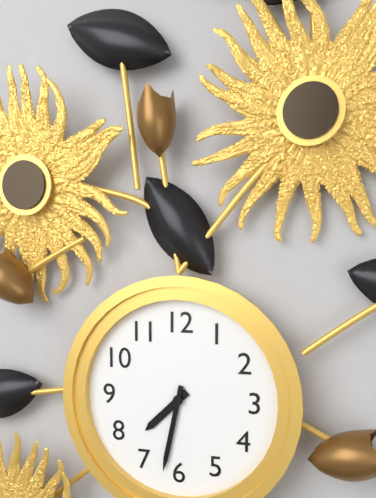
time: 7:32
